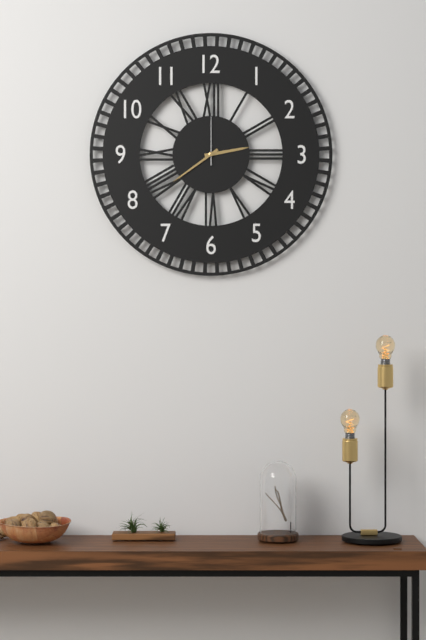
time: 2:39:00
